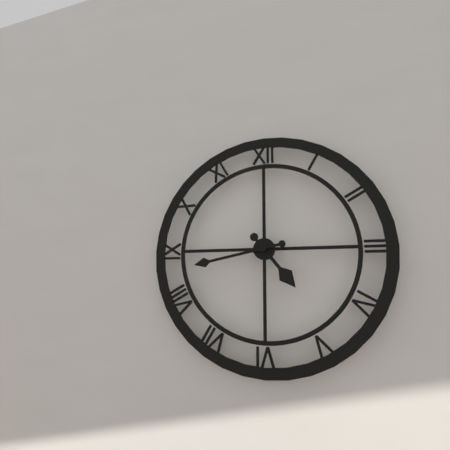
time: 4:43
